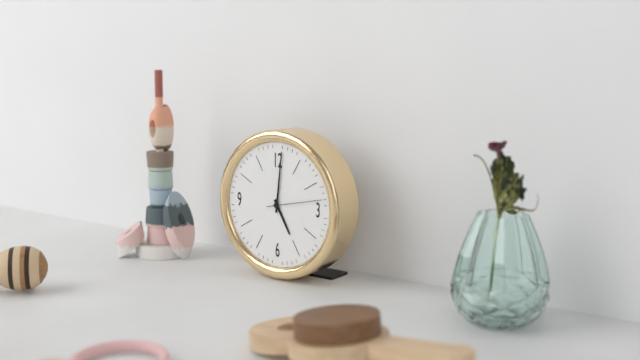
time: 5:01:13
